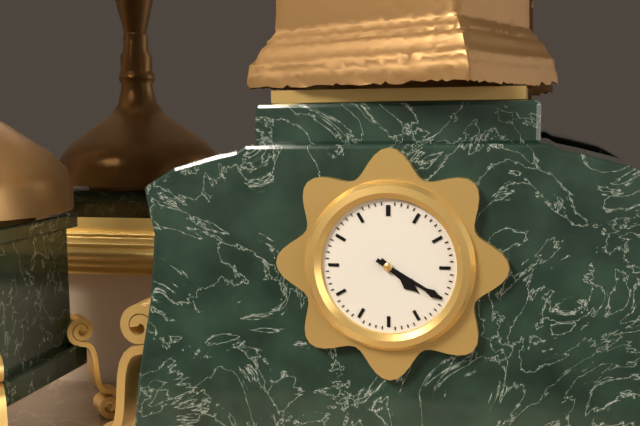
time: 4:20
